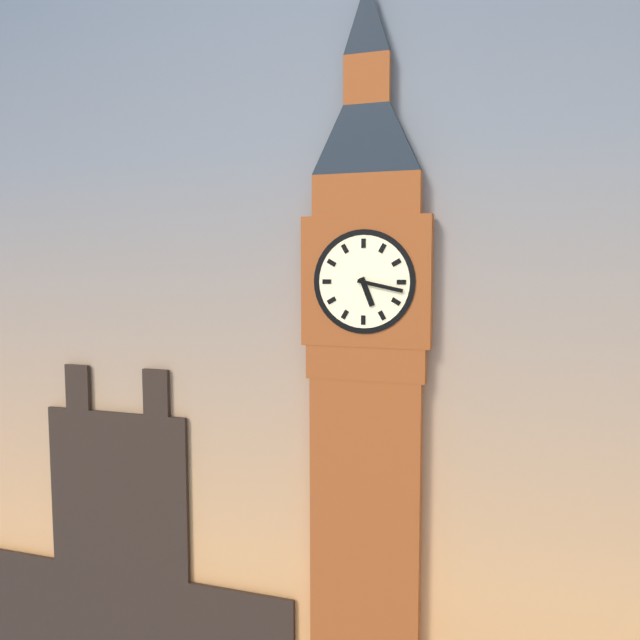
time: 5:17
